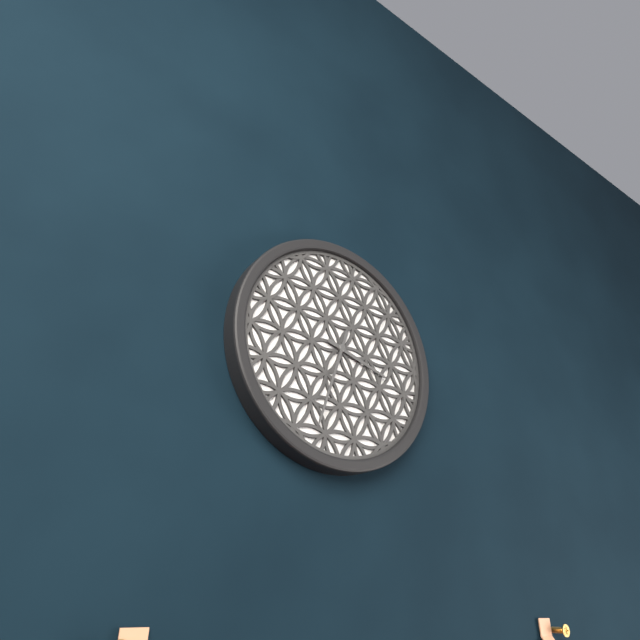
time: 3:33
